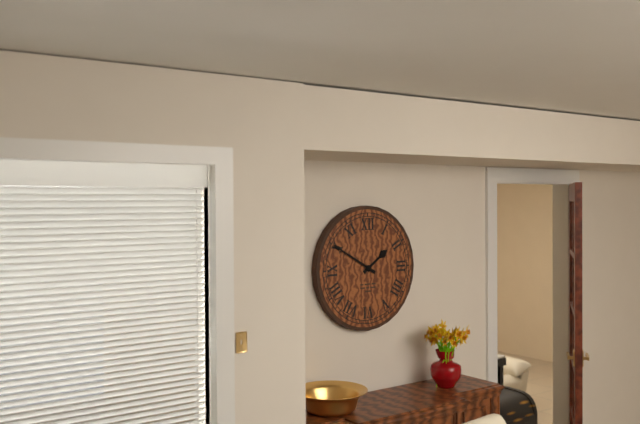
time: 1:50
